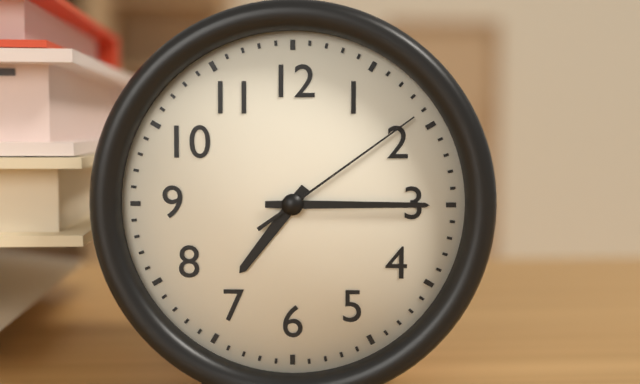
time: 7:15:09
